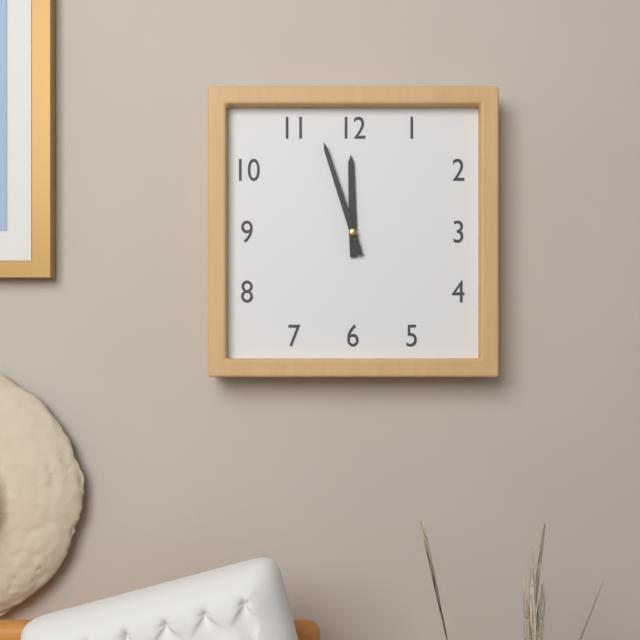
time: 11:57
